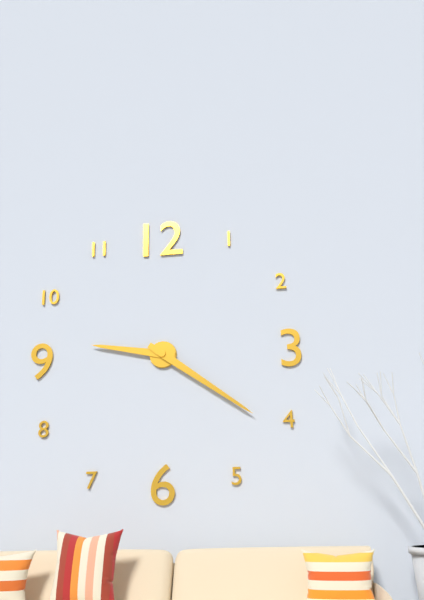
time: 9:21
